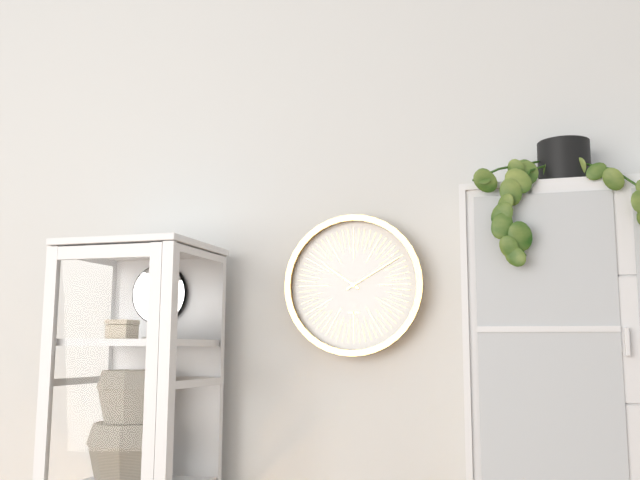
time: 10:10
